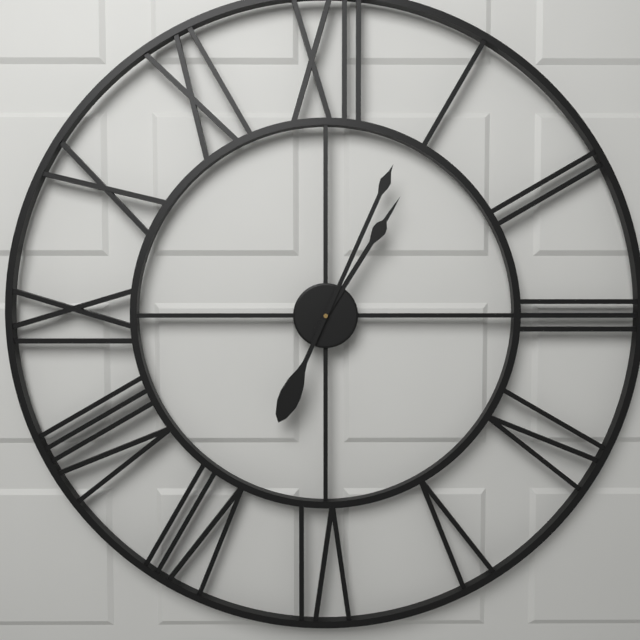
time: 1:04
